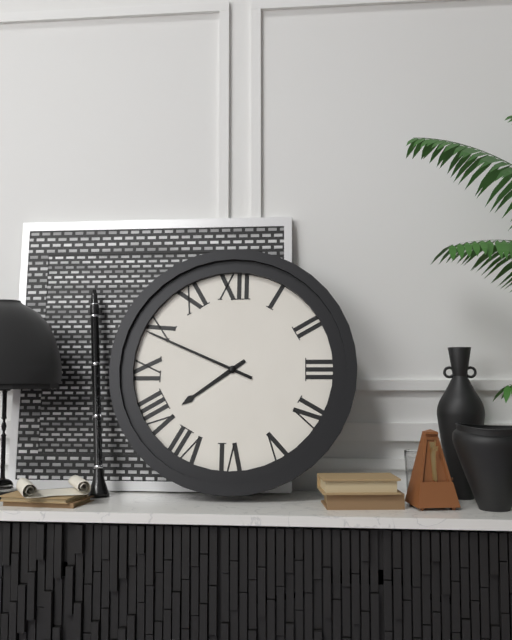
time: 7:49
